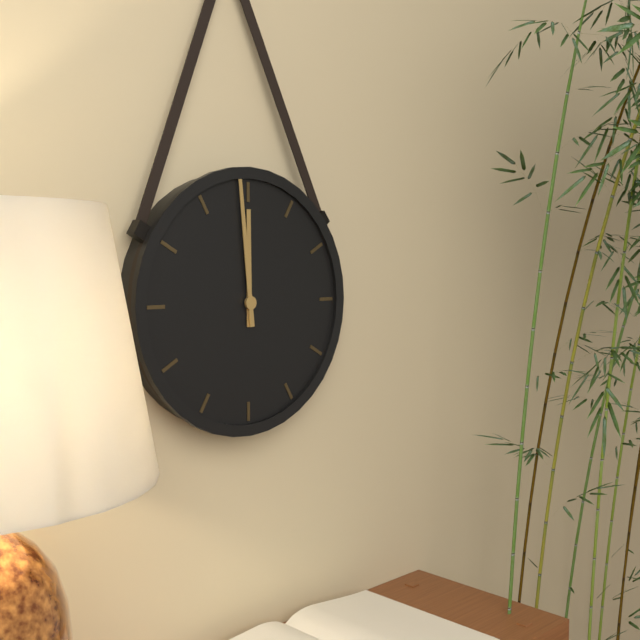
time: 11:59
